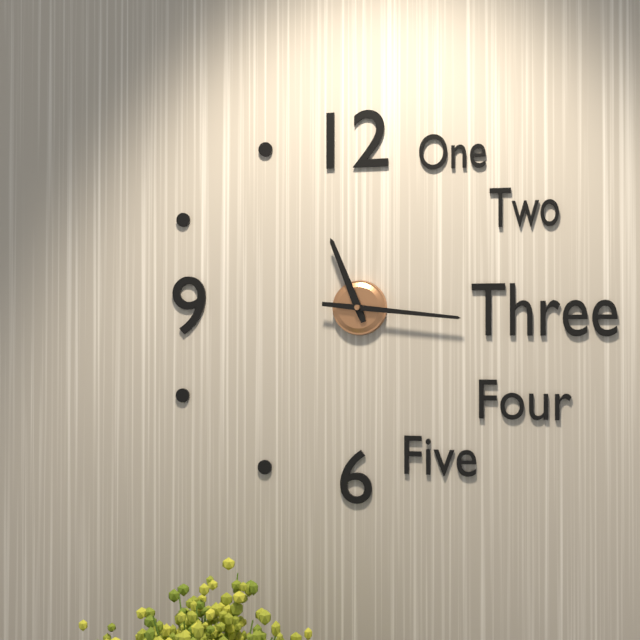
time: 11:16
